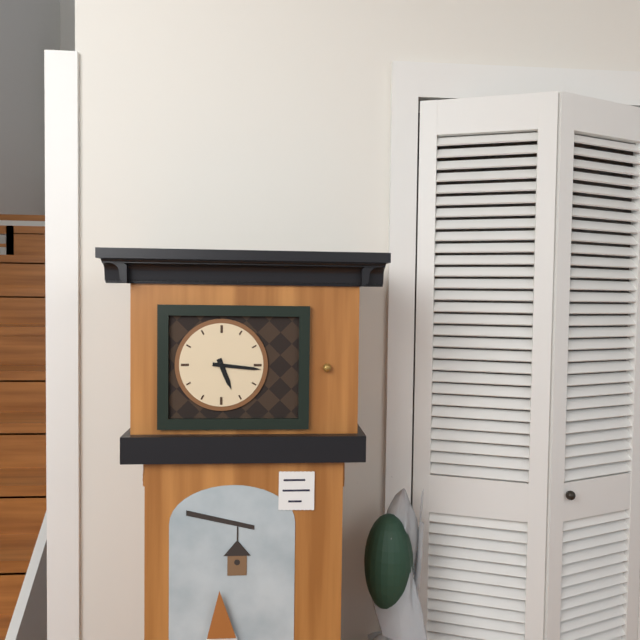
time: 5:16
